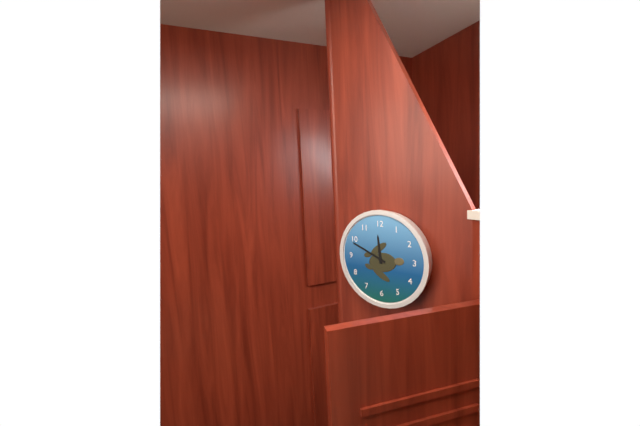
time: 11:49
